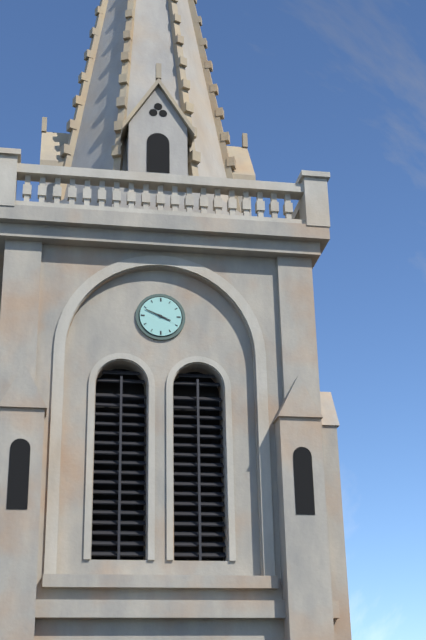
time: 3:49
